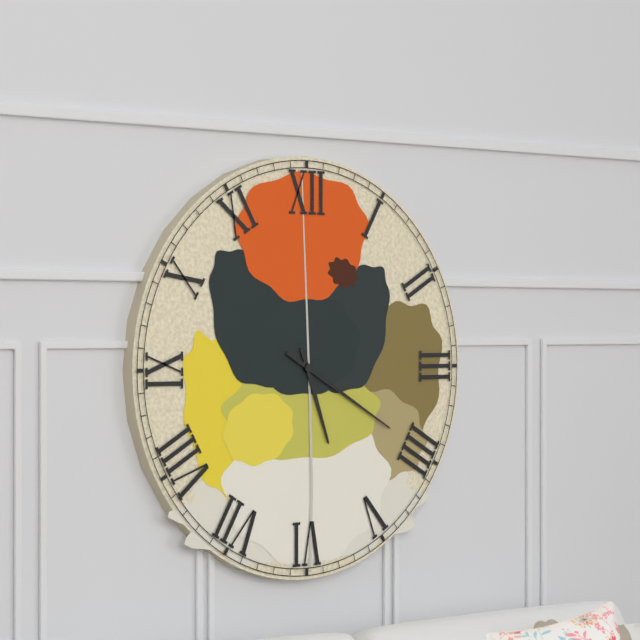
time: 5:20
